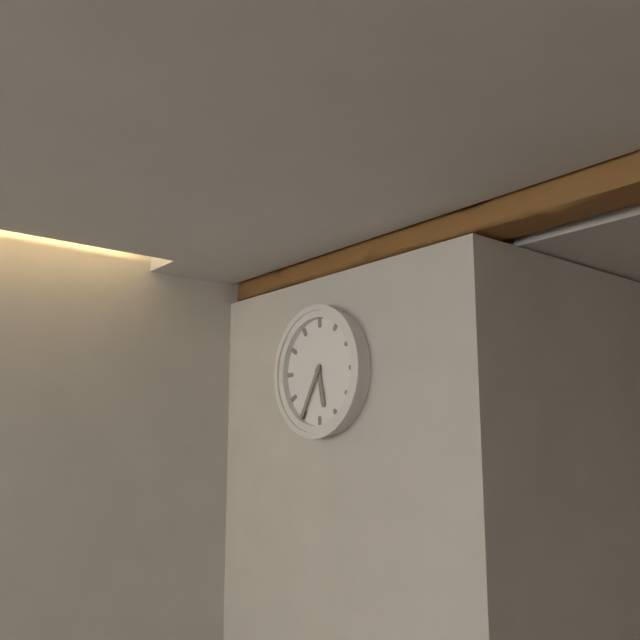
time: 5:35
